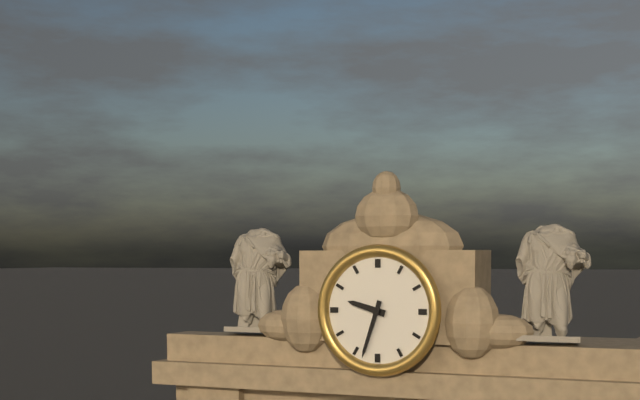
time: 9:33
